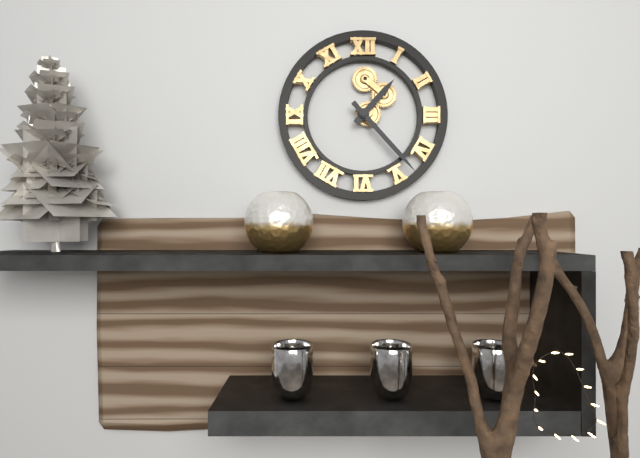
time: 1:23
